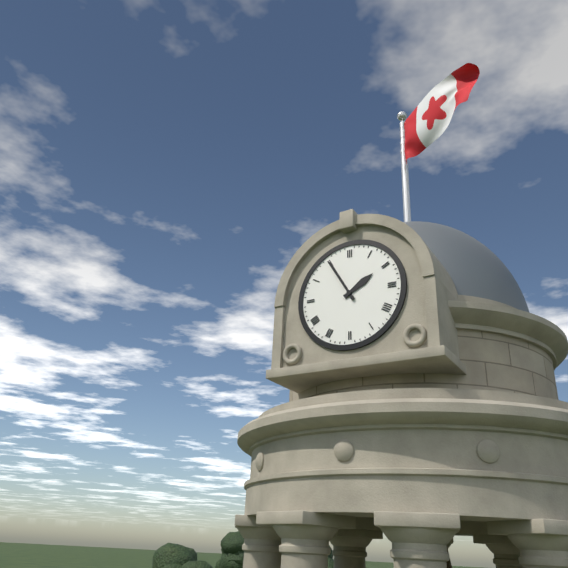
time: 1:55
